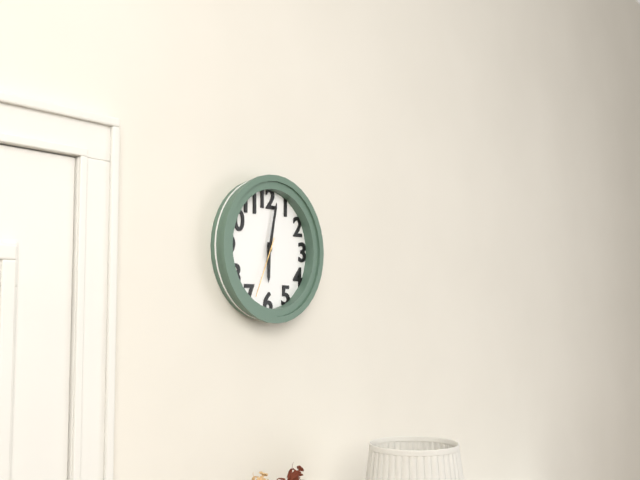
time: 6:02:34
